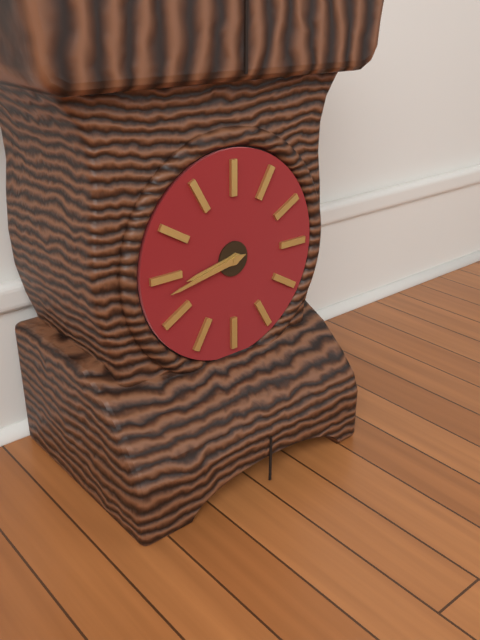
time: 8:43
